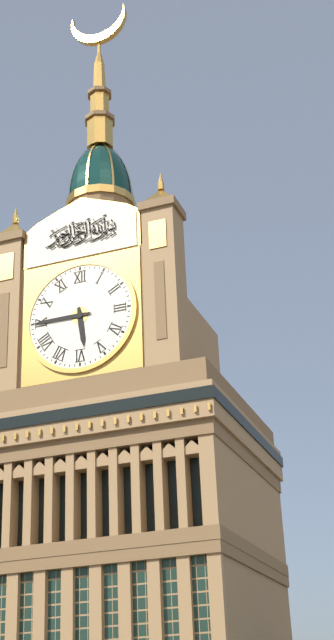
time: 5:45
